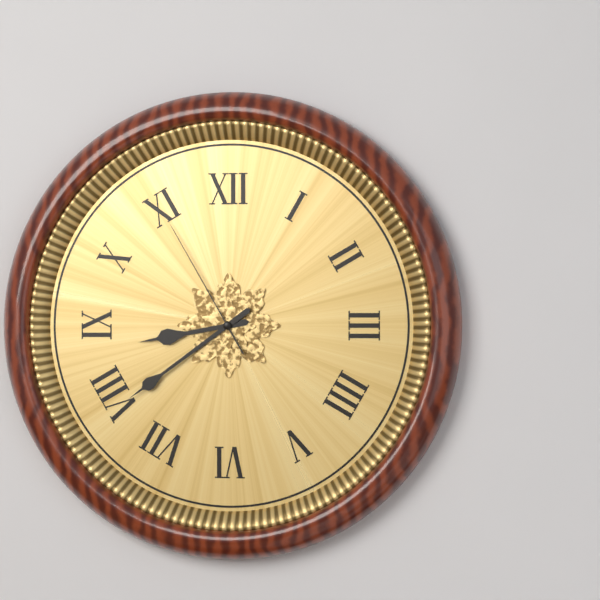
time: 8:39:55
